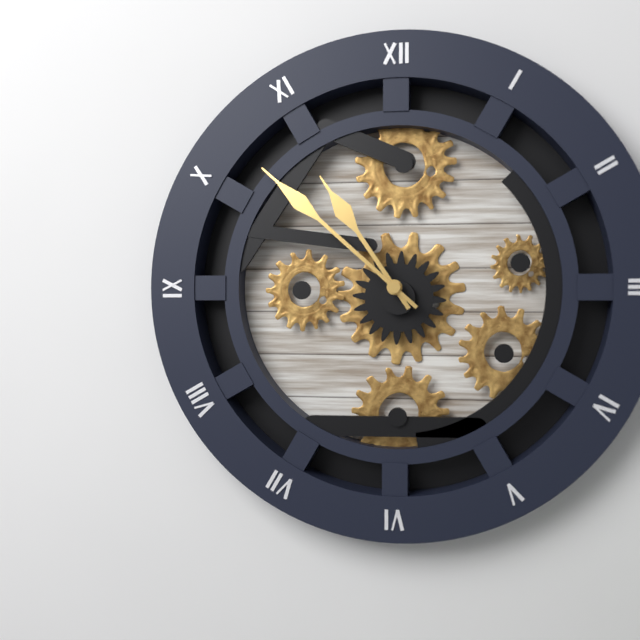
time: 10:52
